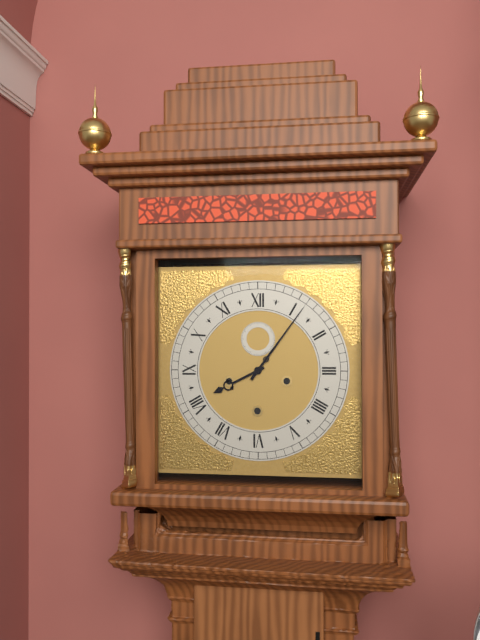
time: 8:06
